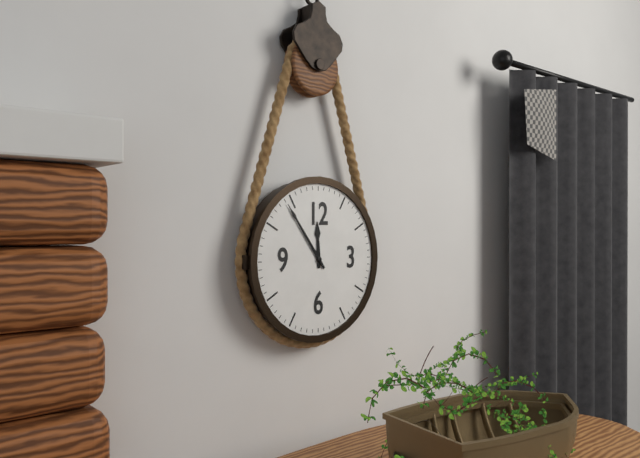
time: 11:54
